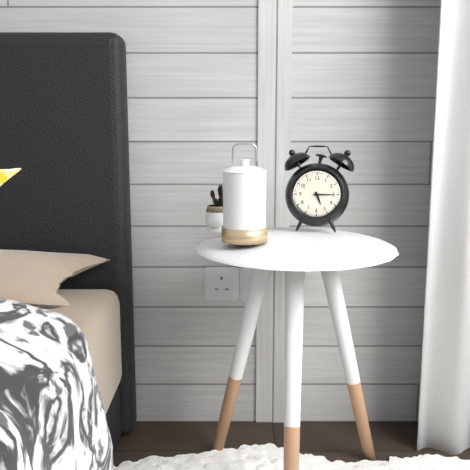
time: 5:15
